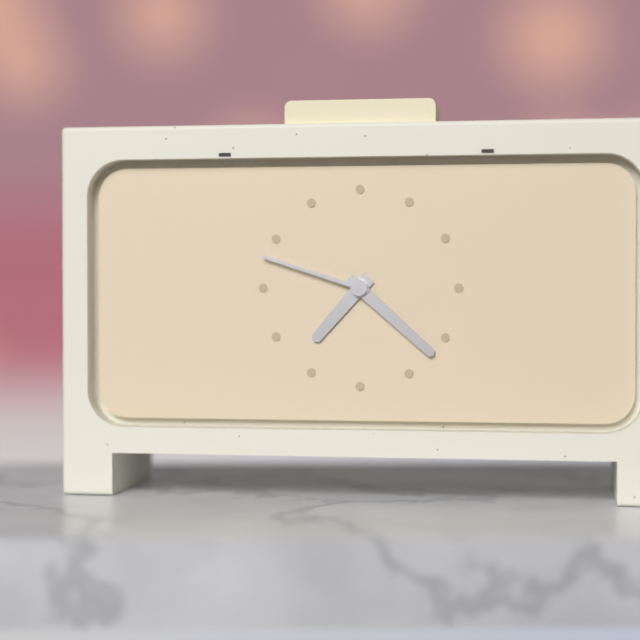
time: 7:22:48
